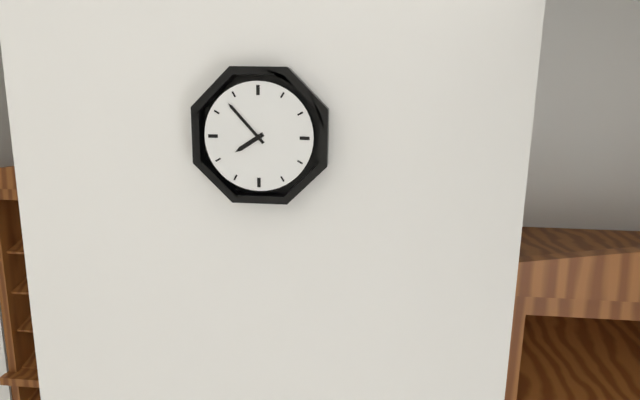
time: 7:53
